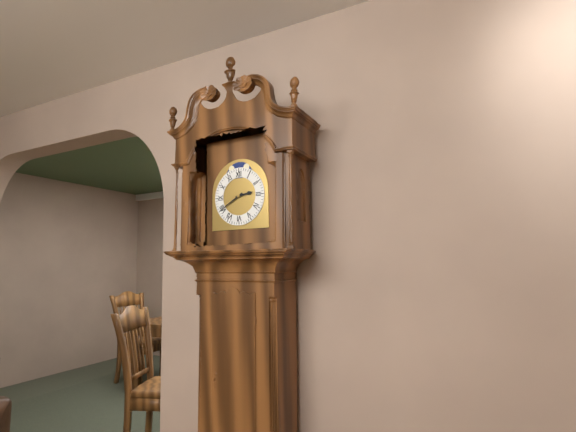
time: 2:40
